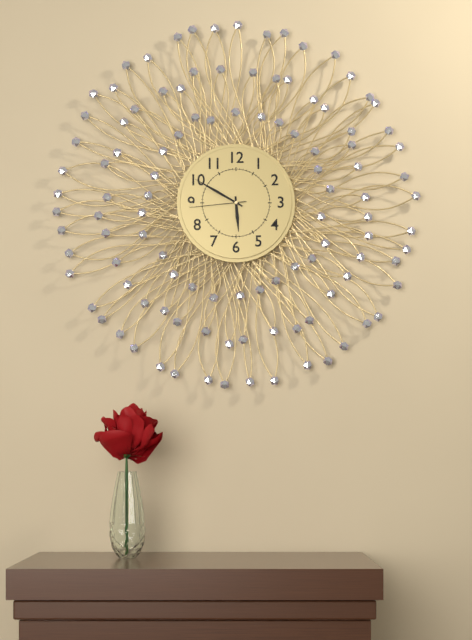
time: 5:50:44
